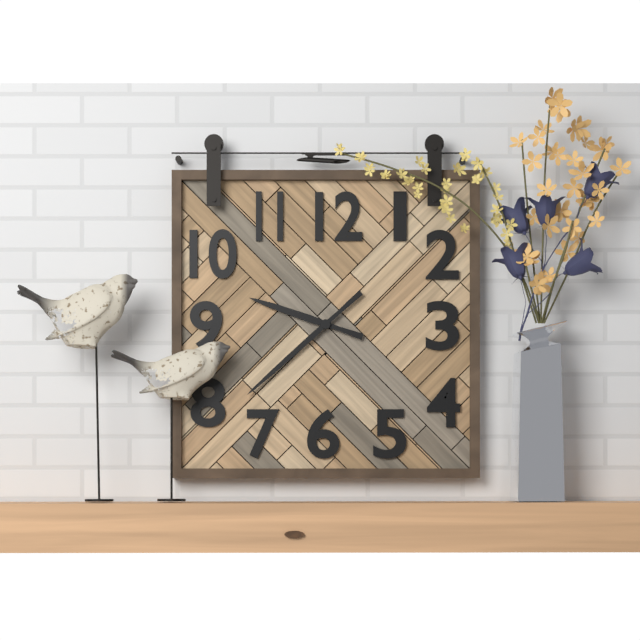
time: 9:38
